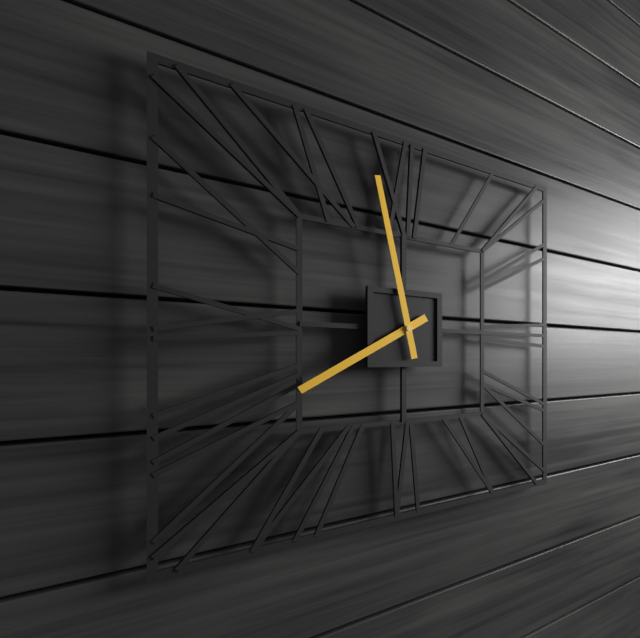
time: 7:58
